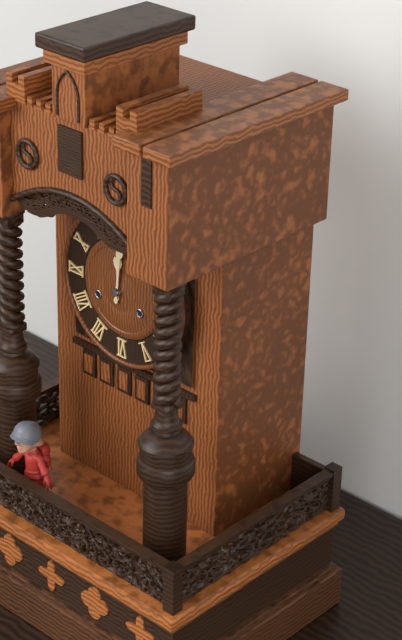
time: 12:01
